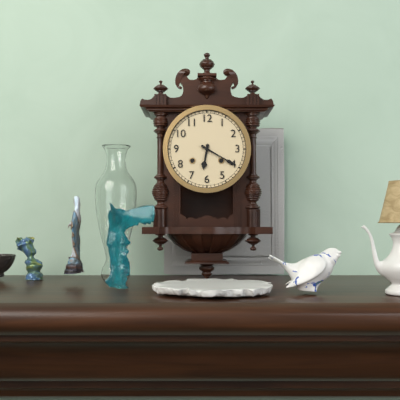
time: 6:20
